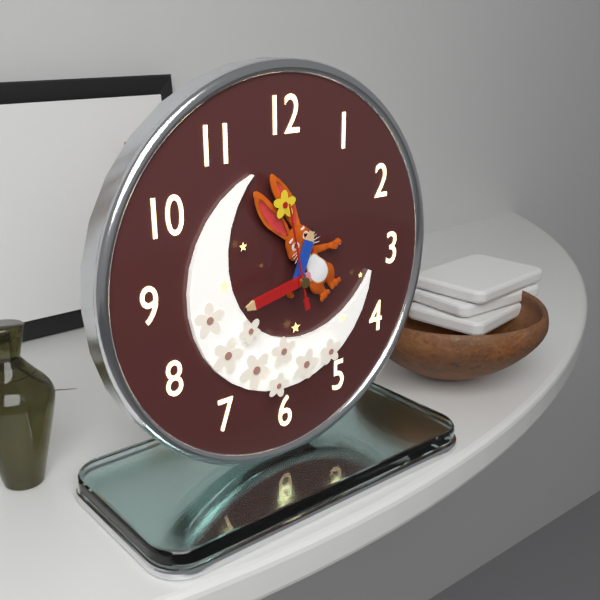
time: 12:43:58
